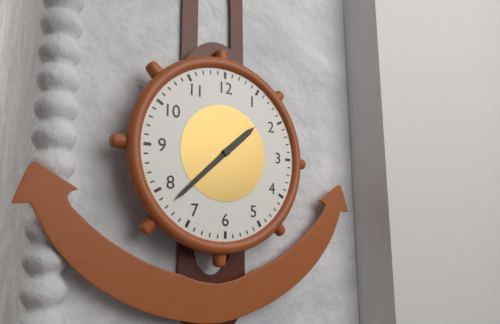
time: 1:38
